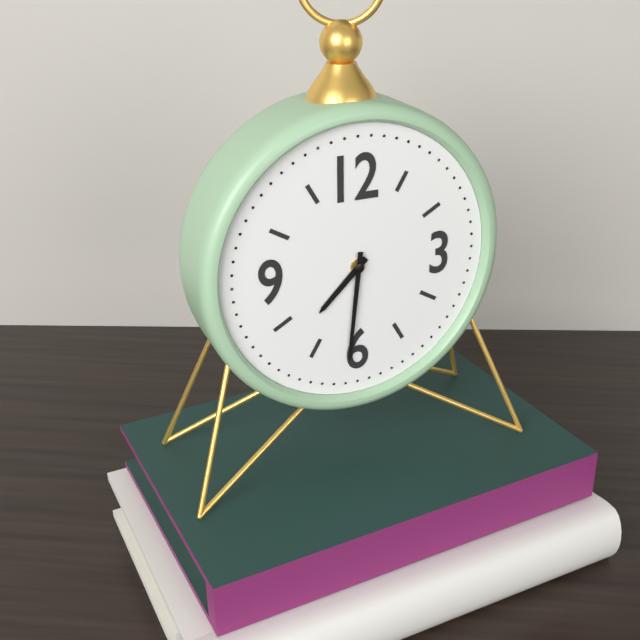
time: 7:31
